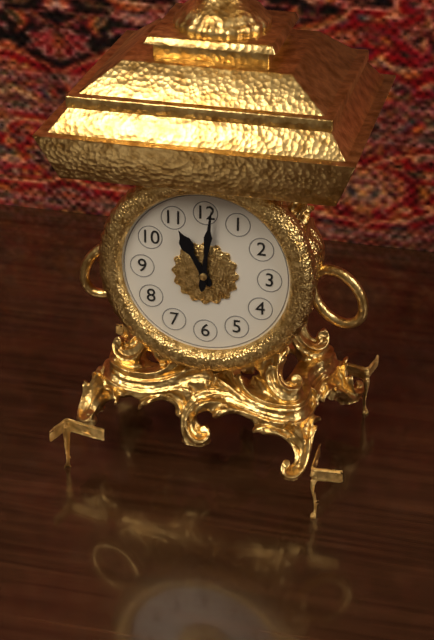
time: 11:01
